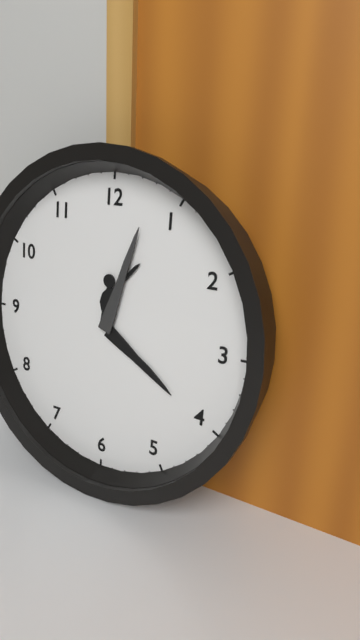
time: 4:03
